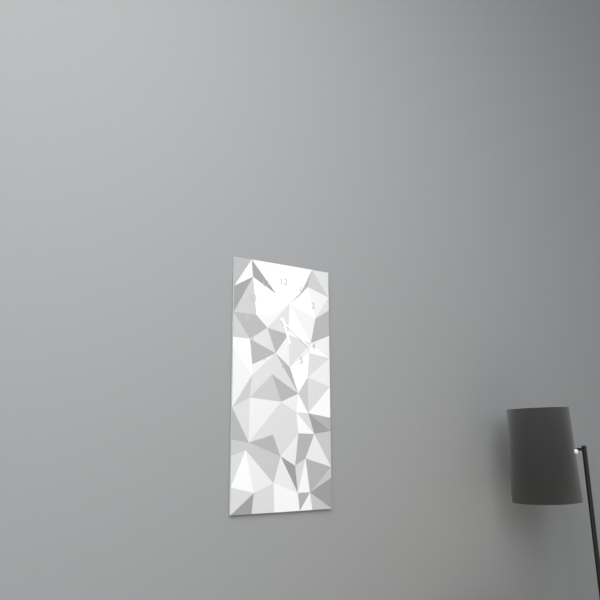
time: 5:21
